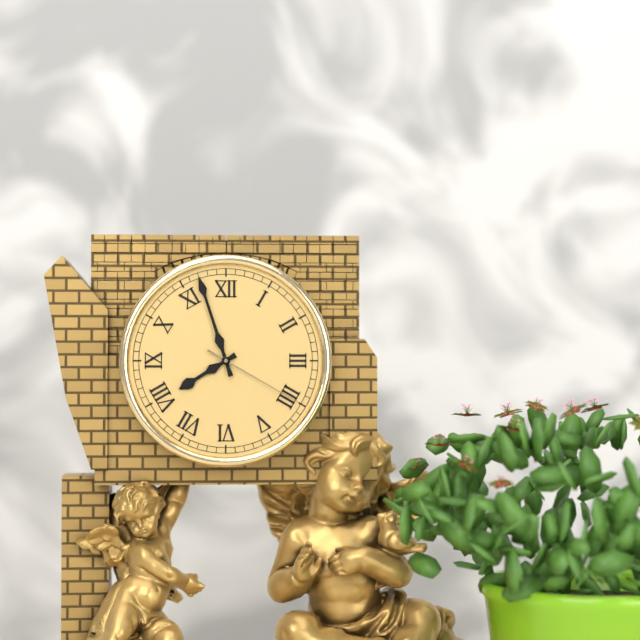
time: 7:57:20
